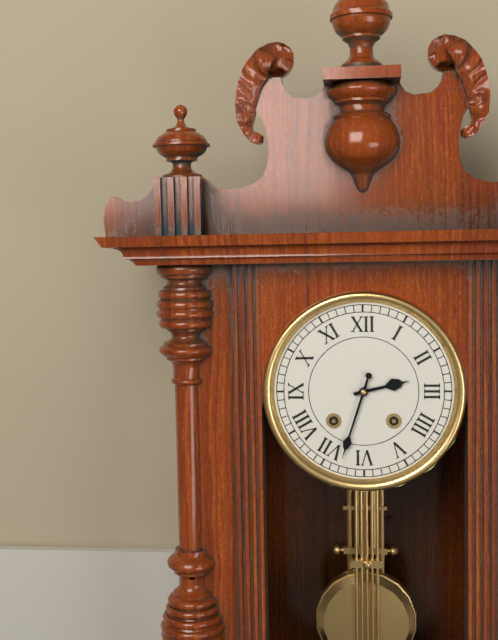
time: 2:33
